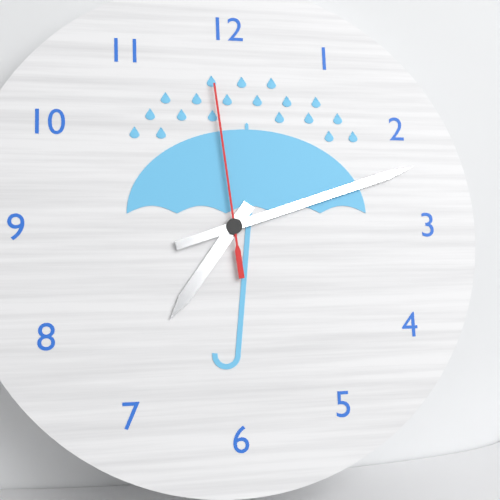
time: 7:12:59
